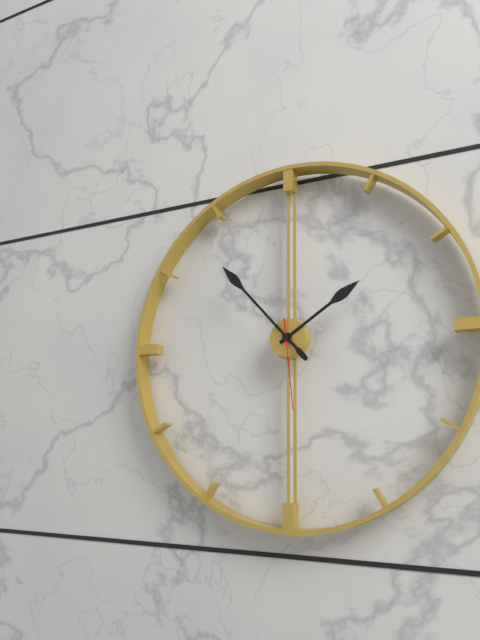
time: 1:53:29
